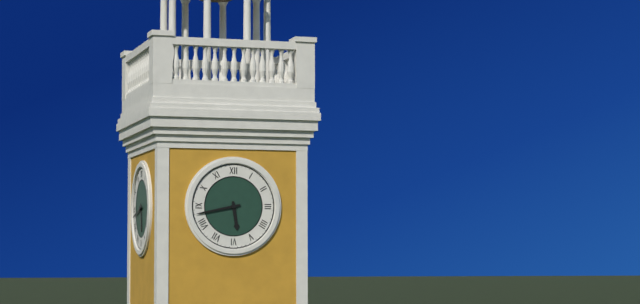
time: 5:43
